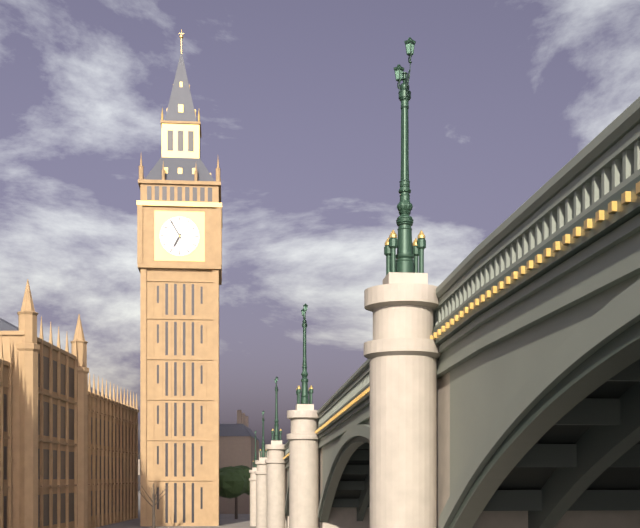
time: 6:55
